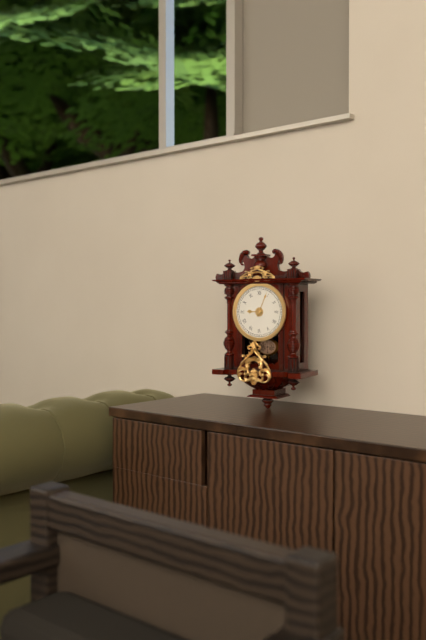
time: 9:04
